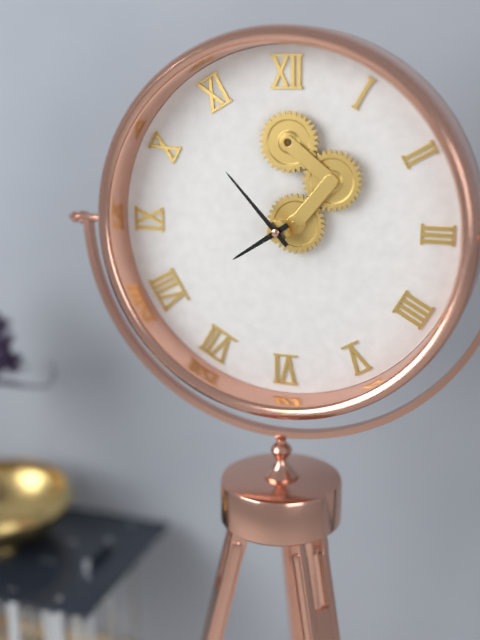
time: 7:53
